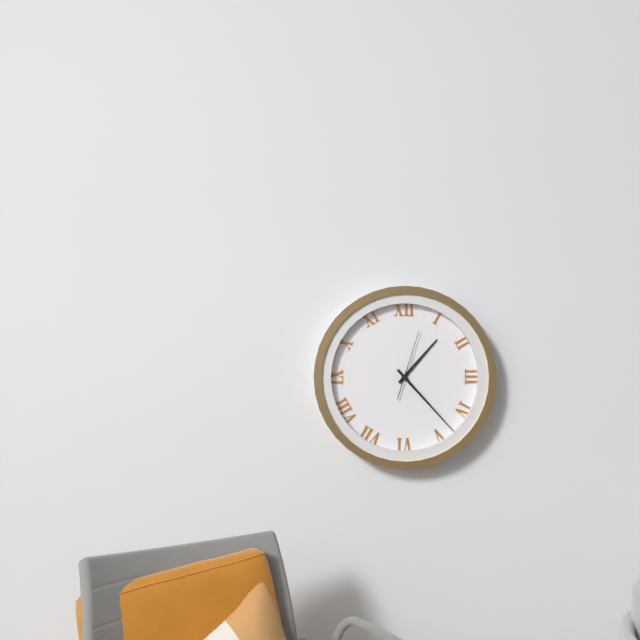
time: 1:23:03
